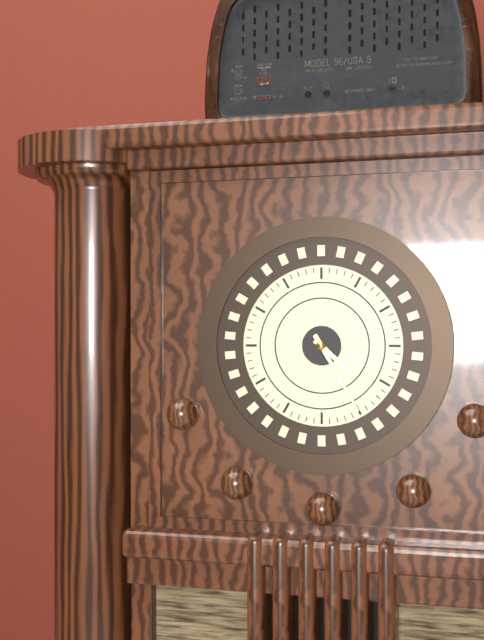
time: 4:25
